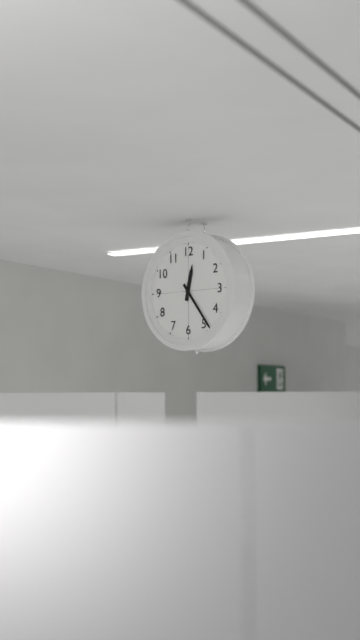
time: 12:24
